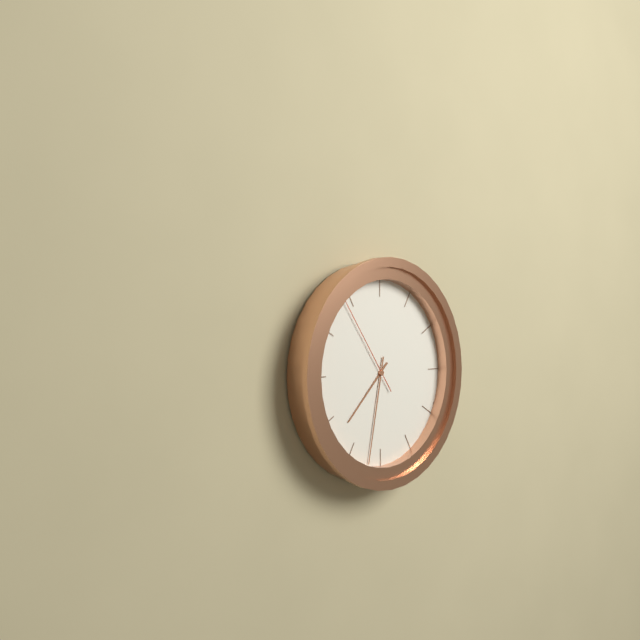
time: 7:32:54
